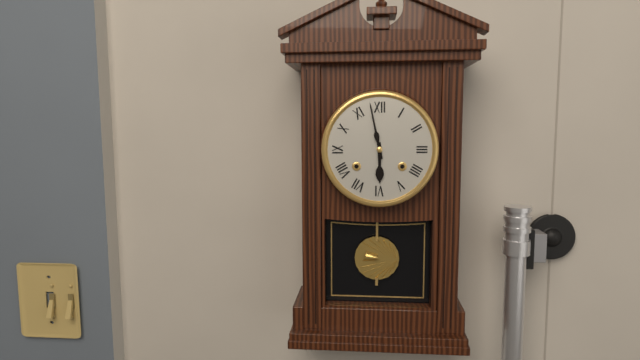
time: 5:58
